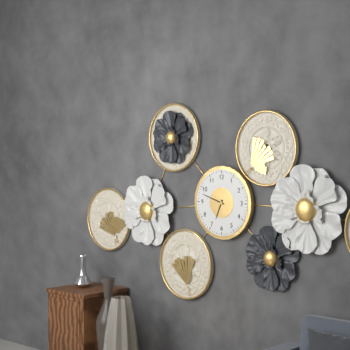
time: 6:48
